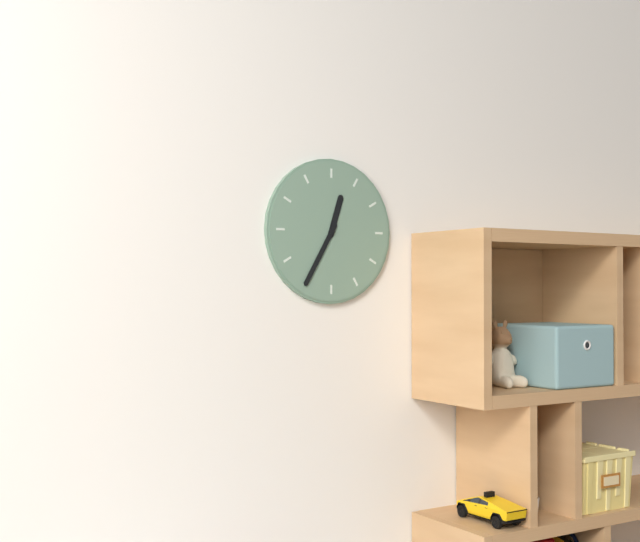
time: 12:35
